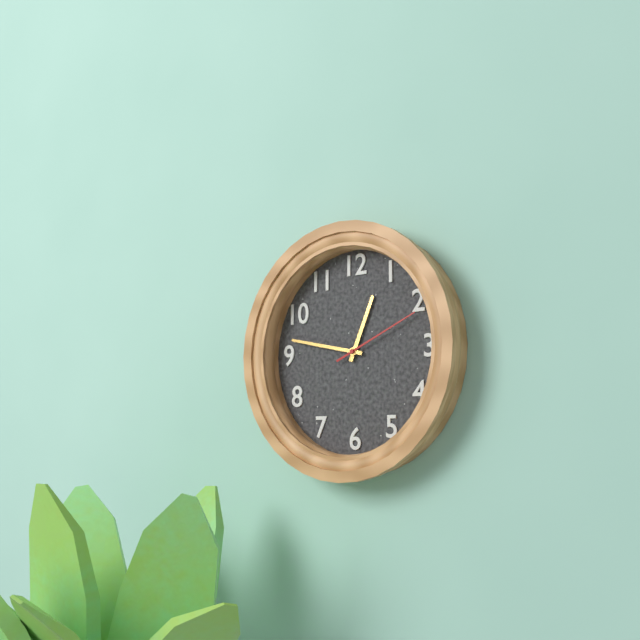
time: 12:47:11
